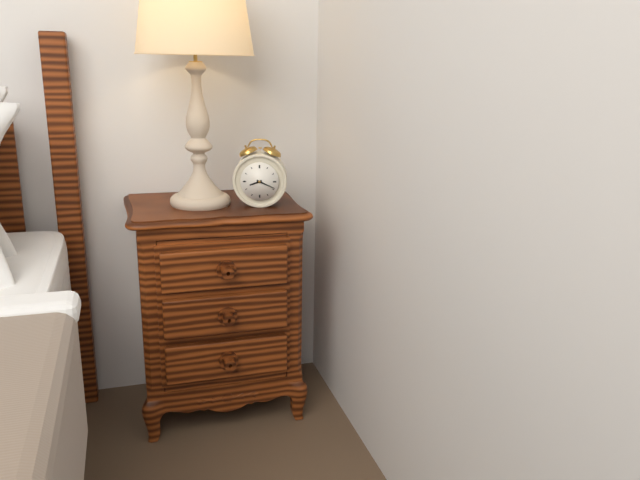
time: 8:19
